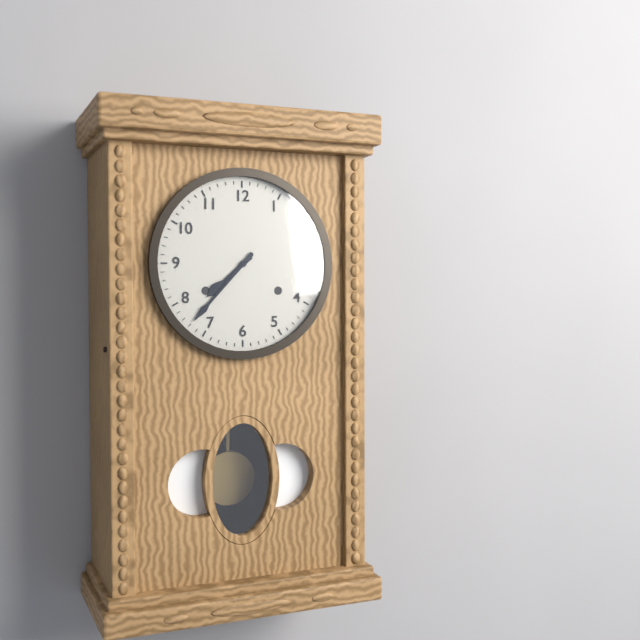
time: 7:37
